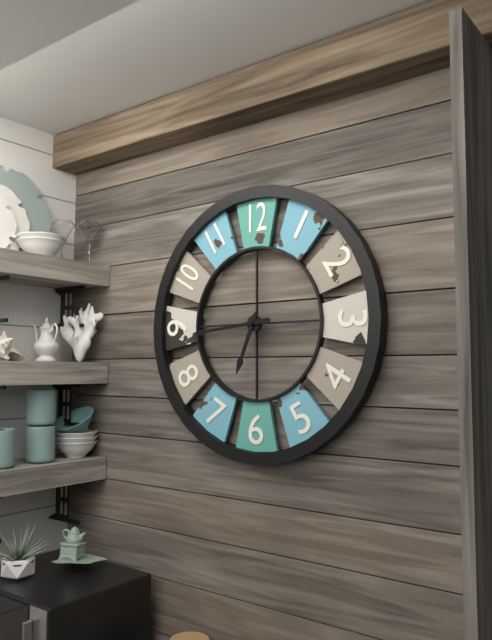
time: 6:44
